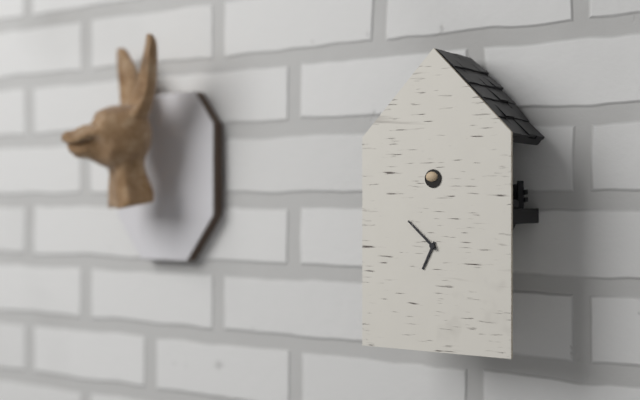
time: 6:52
